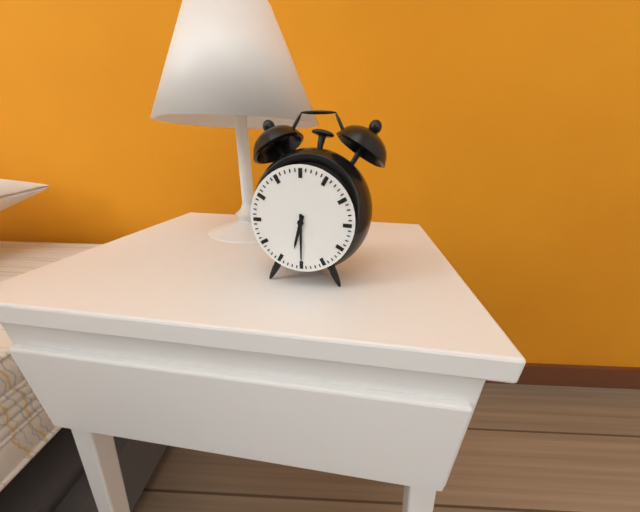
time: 6:30
